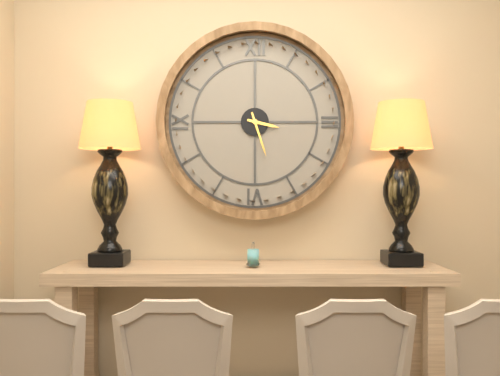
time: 3:27
